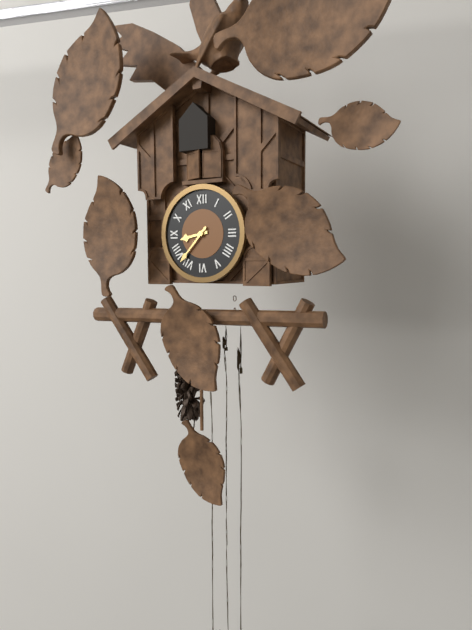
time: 8:37
